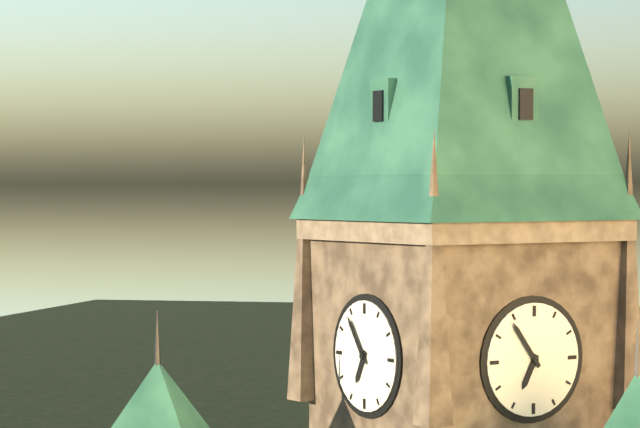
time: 6:54
